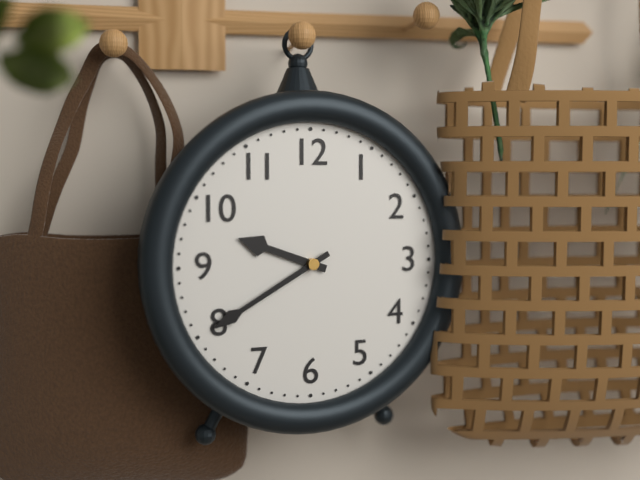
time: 9:40
